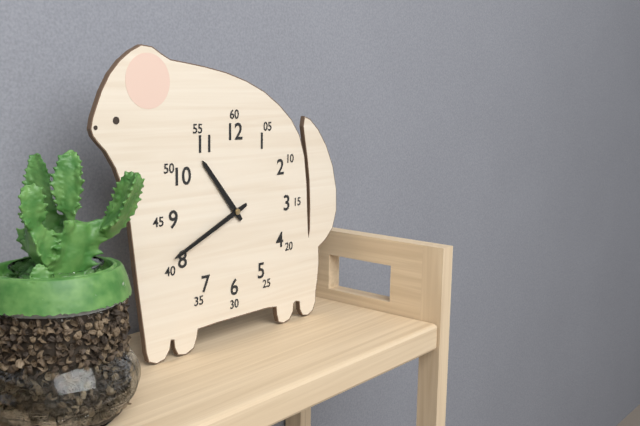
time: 10:41
